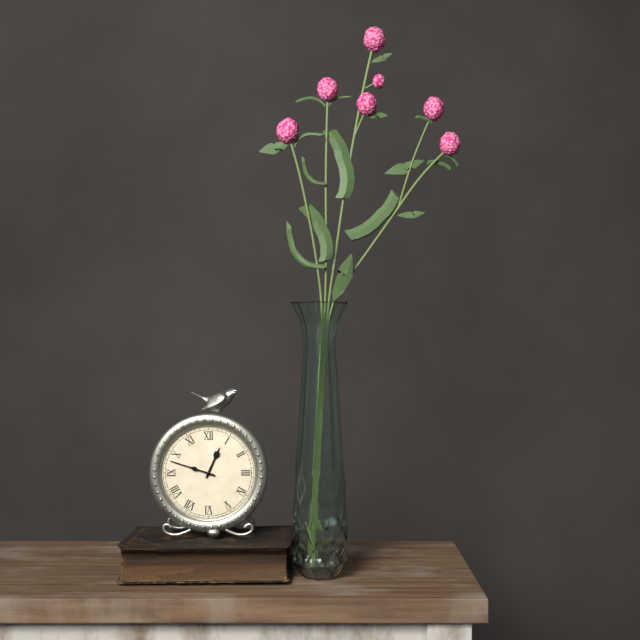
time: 12:48
